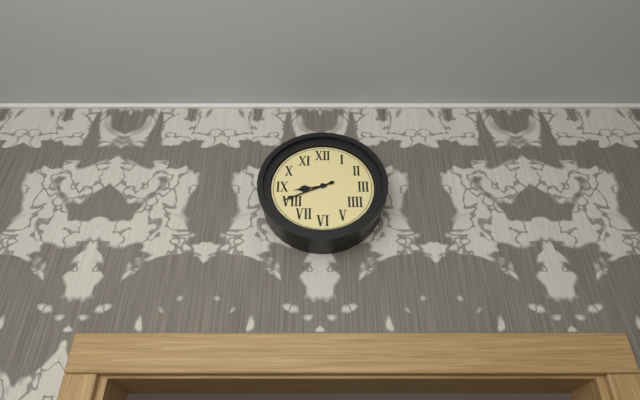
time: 8:41
